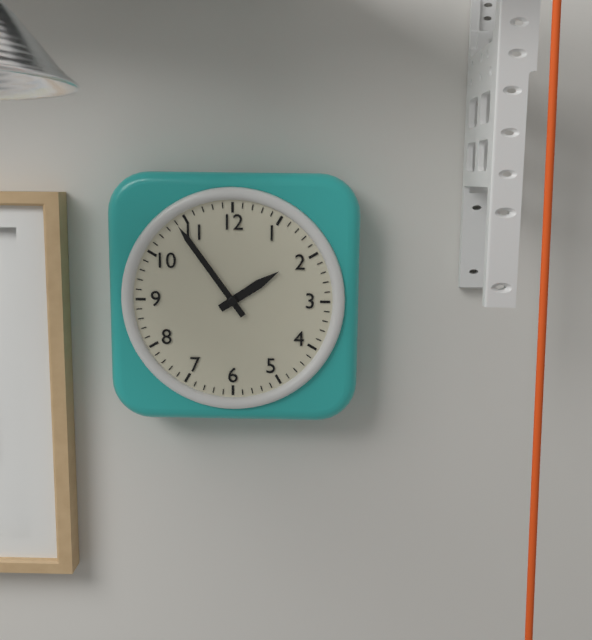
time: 1:54
